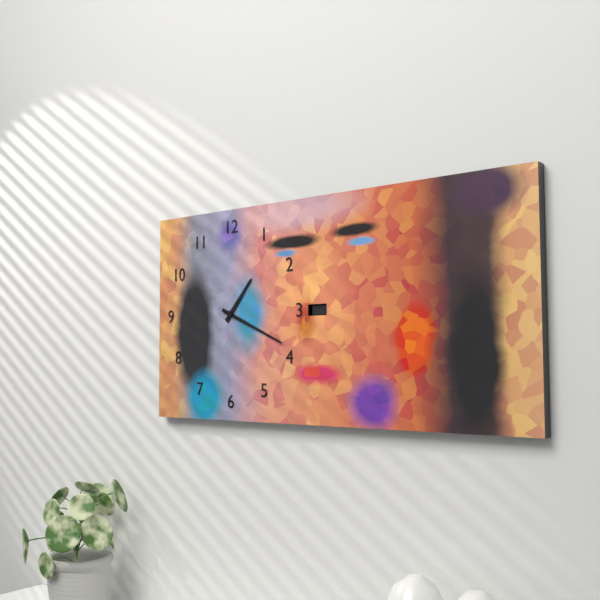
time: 1:19
